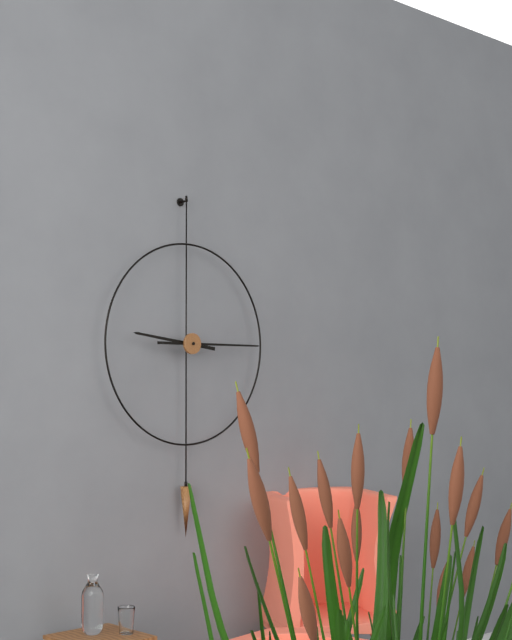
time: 9:15
